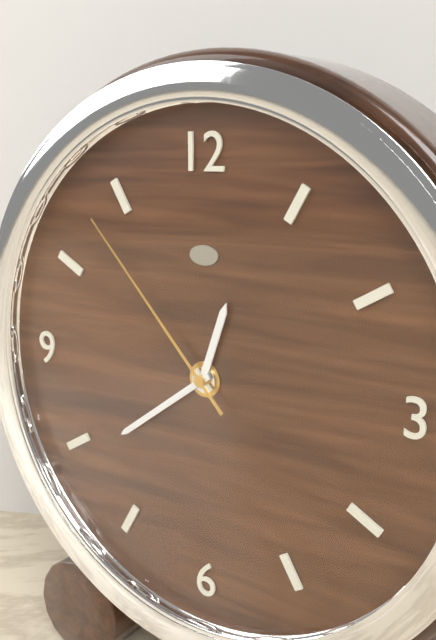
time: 12:39:53
